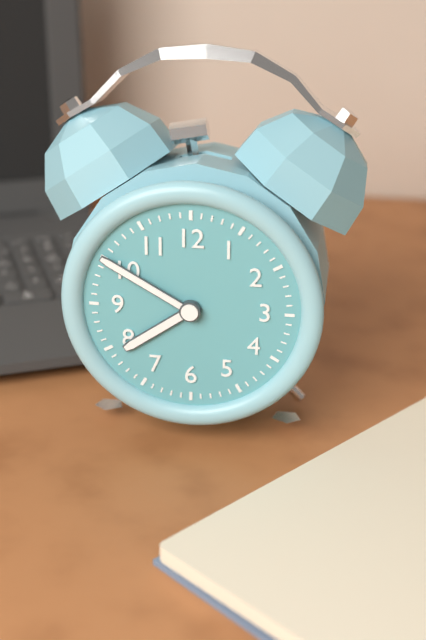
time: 7:50
